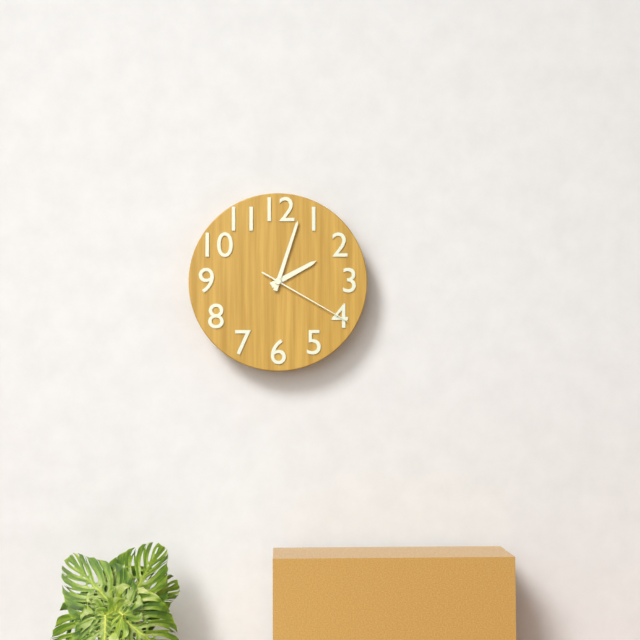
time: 2:03:20
